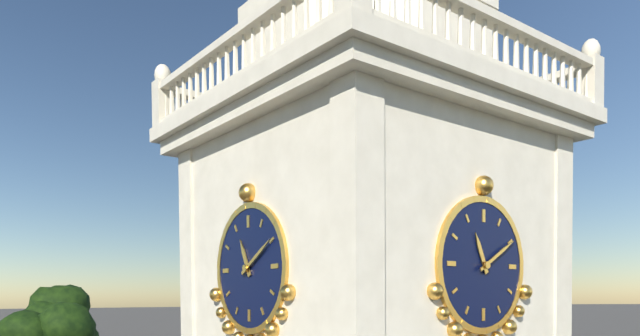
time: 11:10
